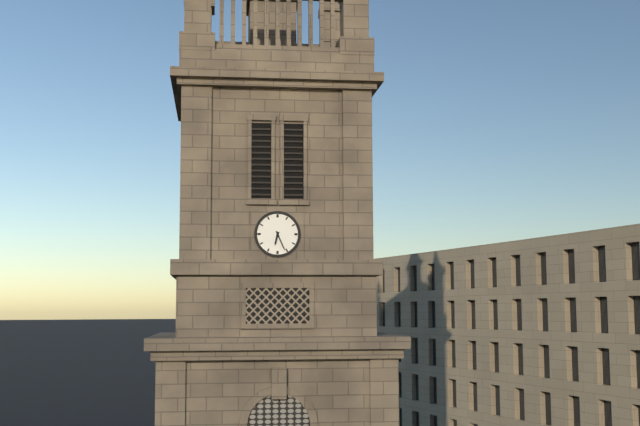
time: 6:26
